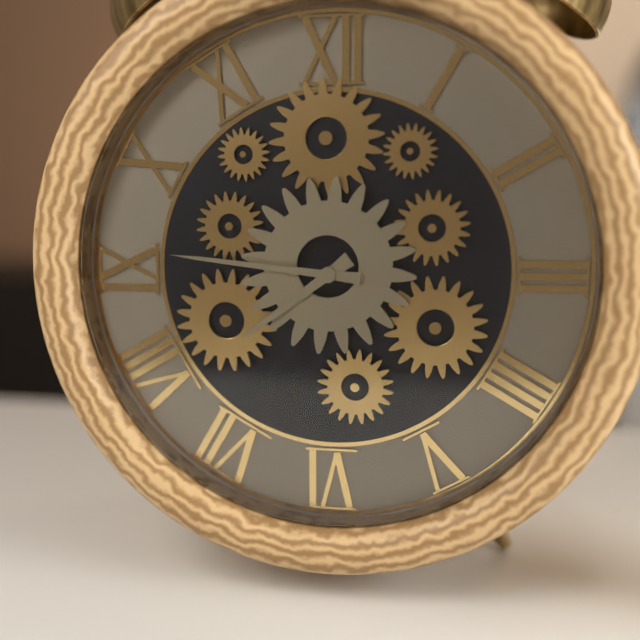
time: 7:46
